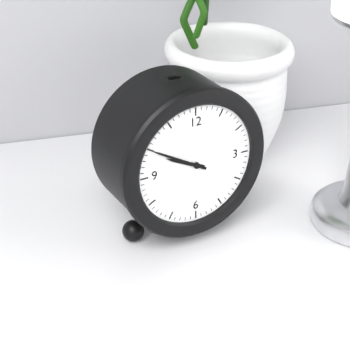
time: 9:50
